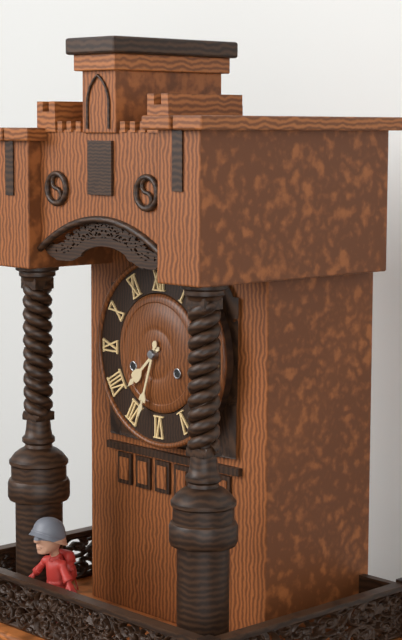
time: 7:33
